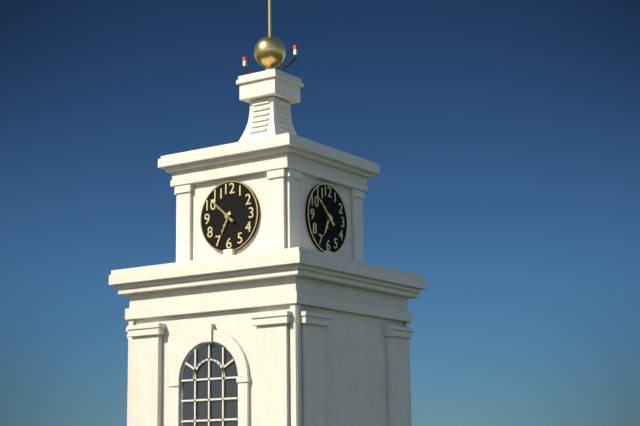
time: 6:52
